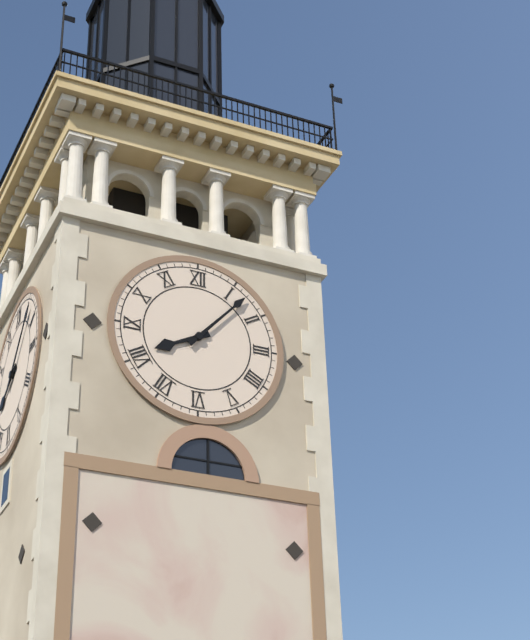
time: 8:07
